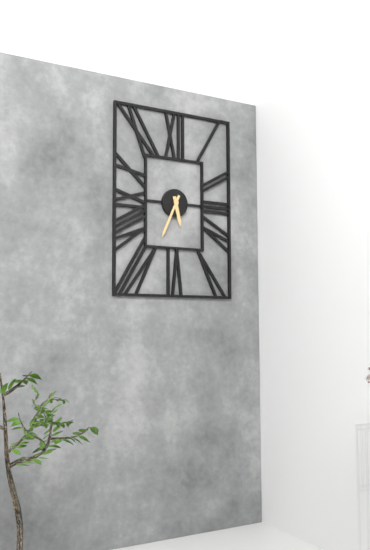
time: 5:34
